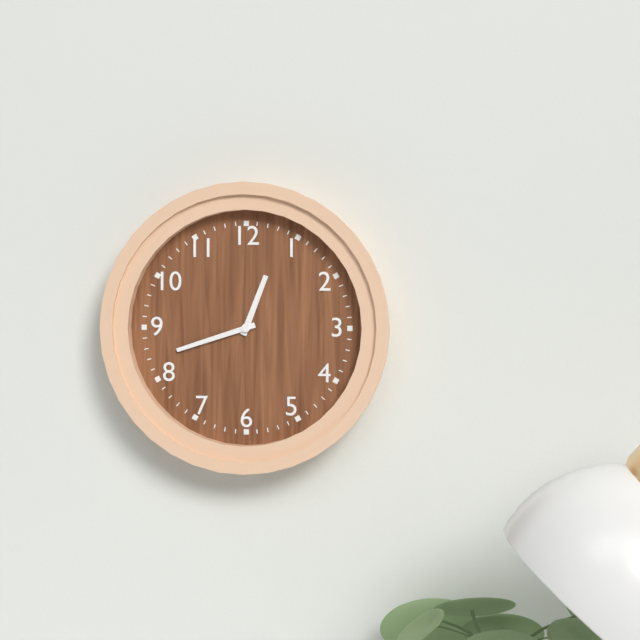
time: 12:42
